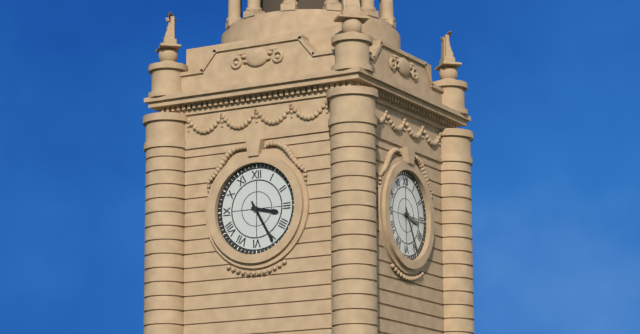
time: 3:25
